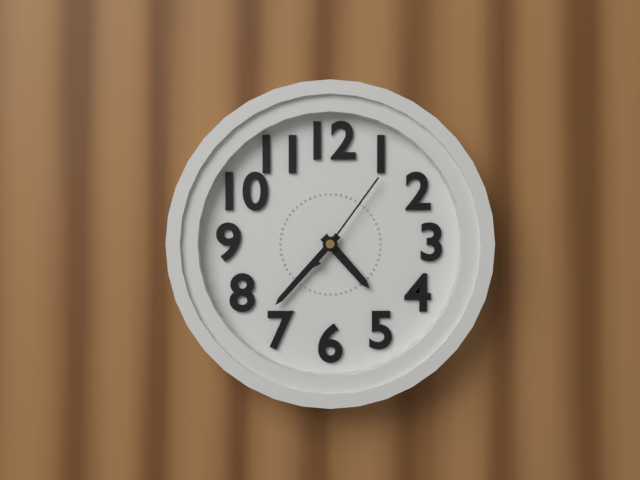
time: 4:37:06
